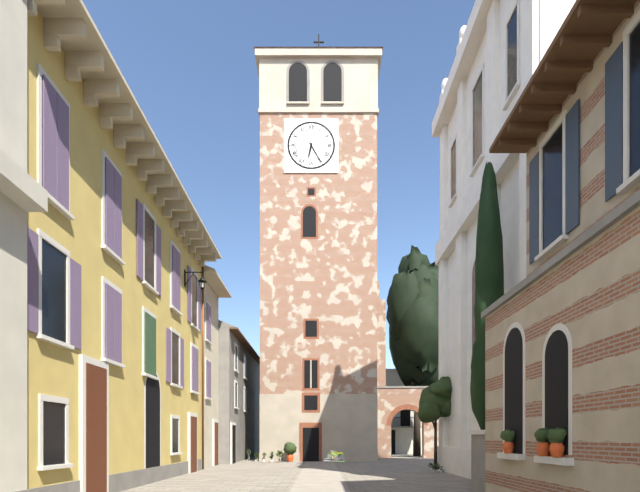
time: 6:25
